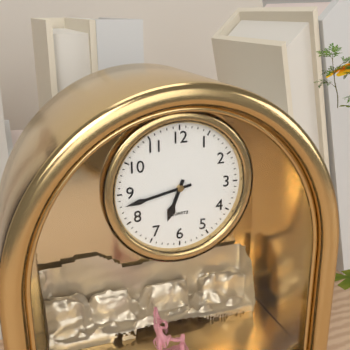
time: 6:43
